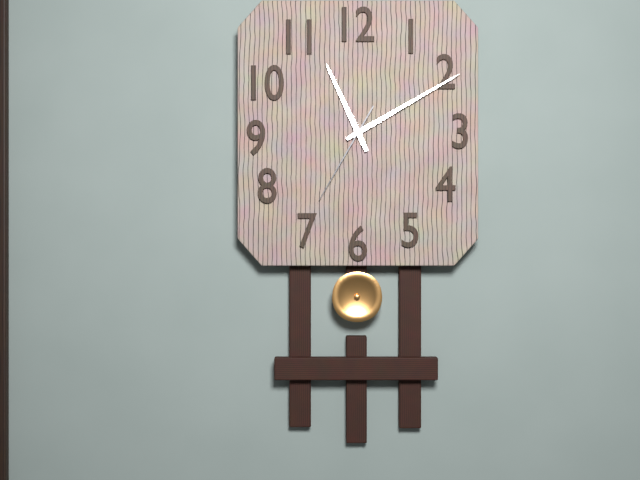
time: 11:10:35
